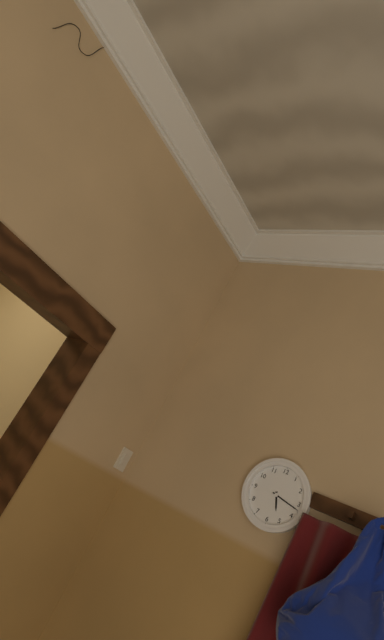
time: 5:17
